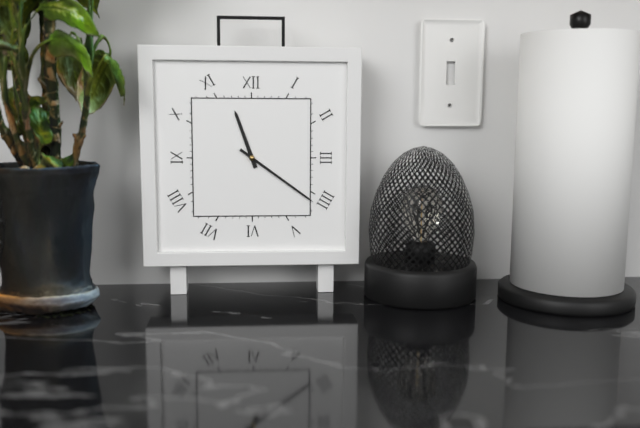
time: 11:21
